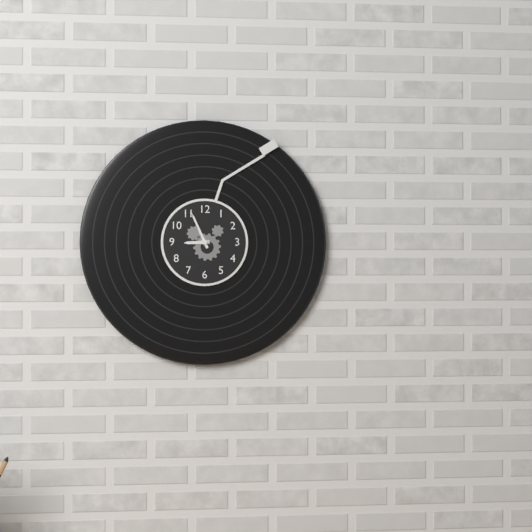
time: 8:56
